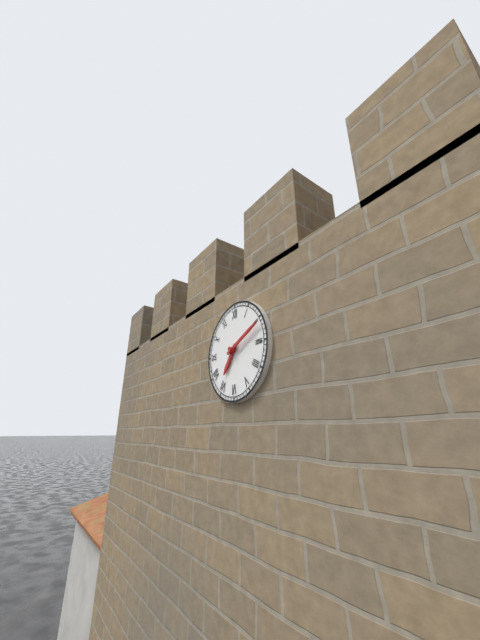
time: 7:11
